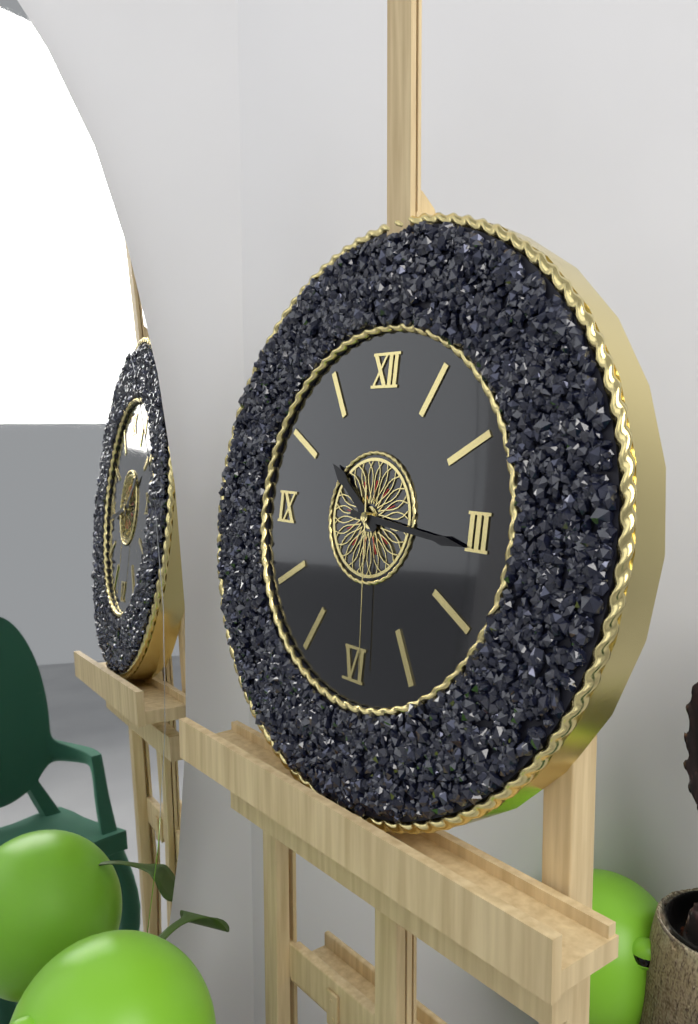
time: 10:16:29
